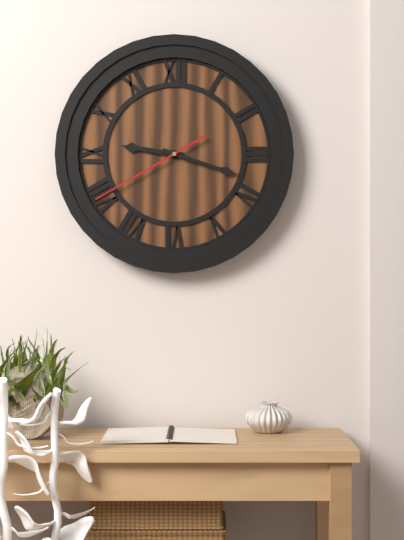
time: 9:18:40
